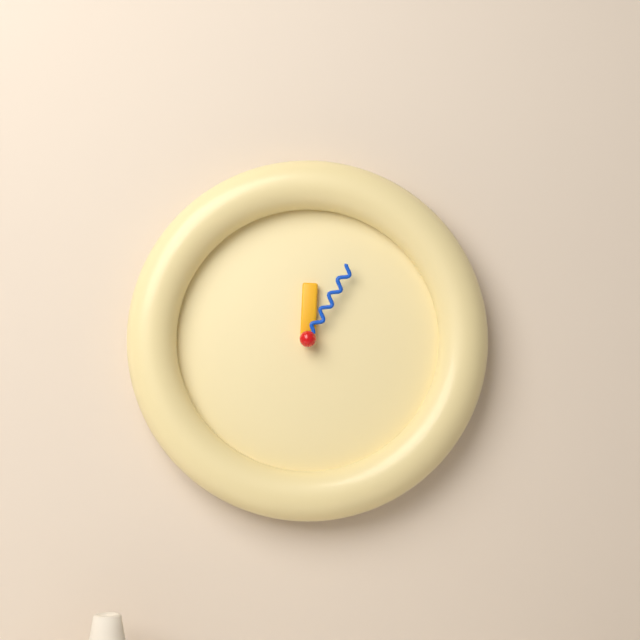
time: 12:05
